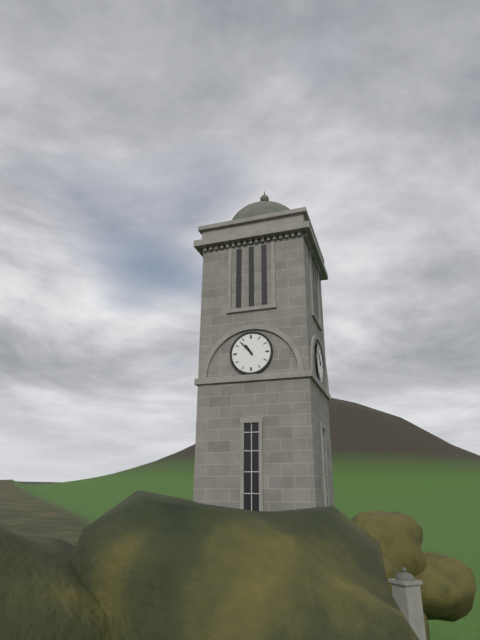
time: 10:53
